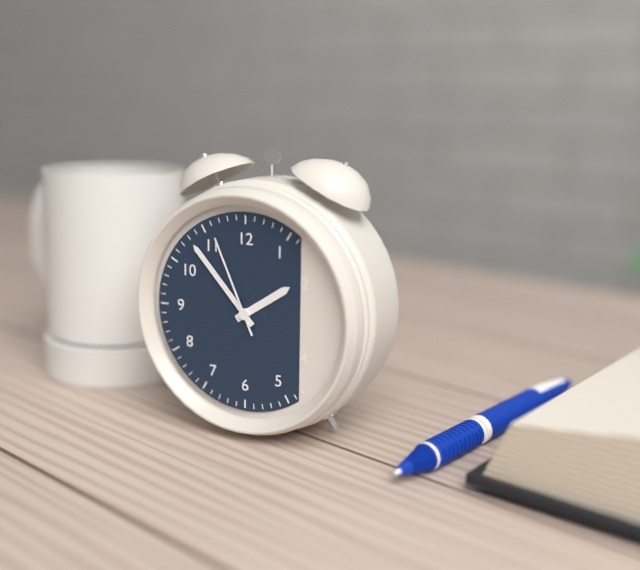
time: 1:53:56
